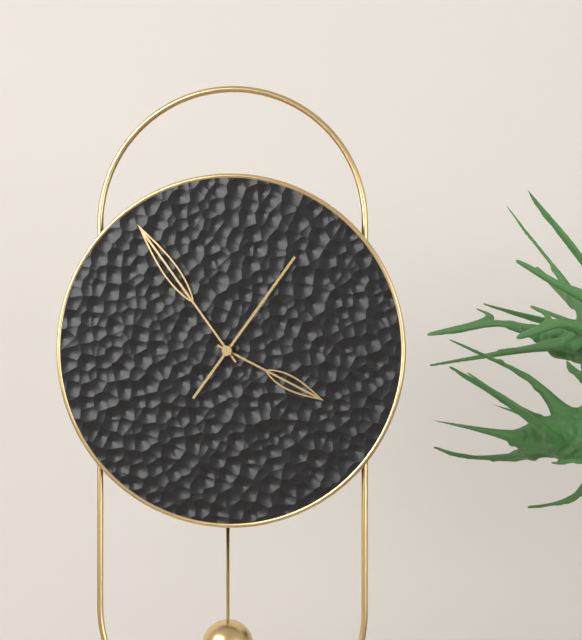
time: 3:54:06
